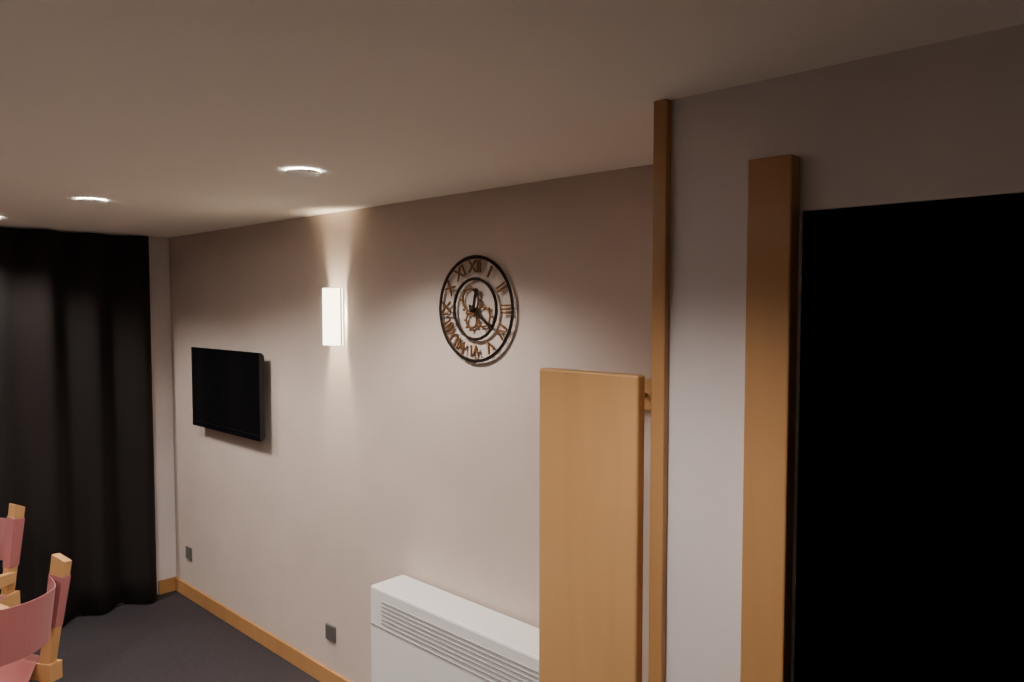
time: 12:21
